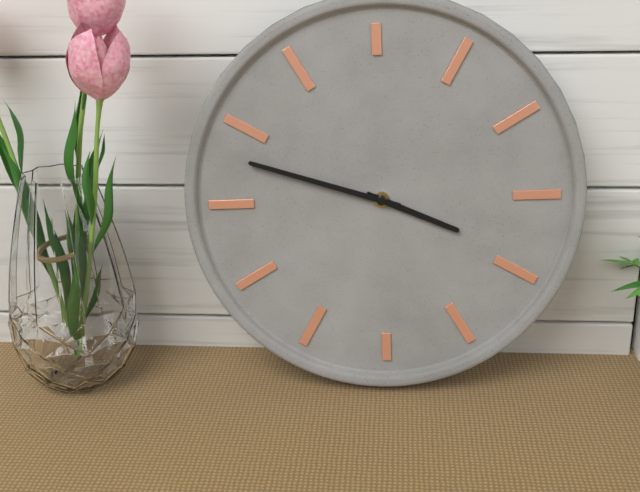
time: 3:48
